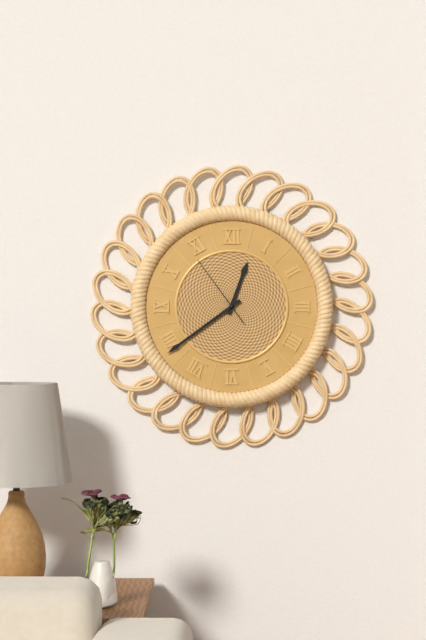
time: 12:39:54
